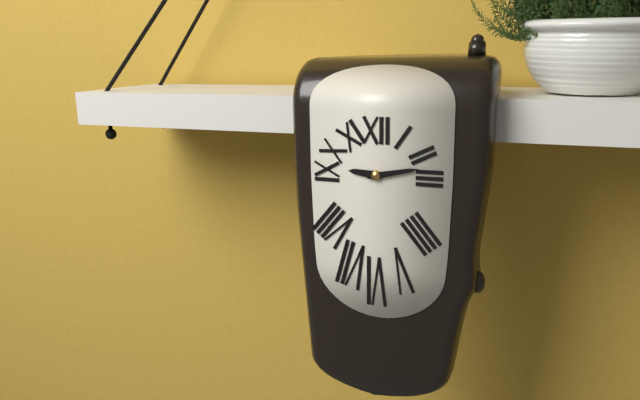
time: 9:13
